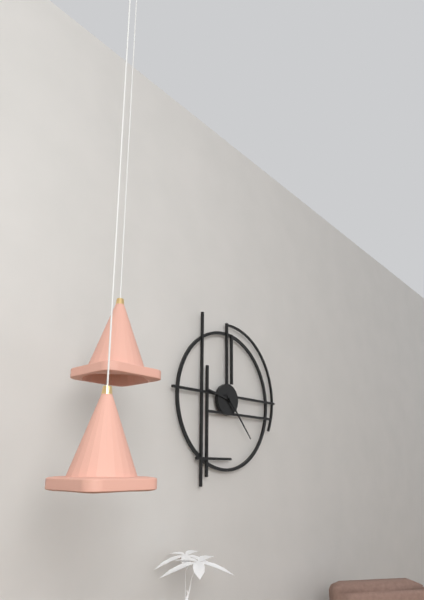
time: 9:23
